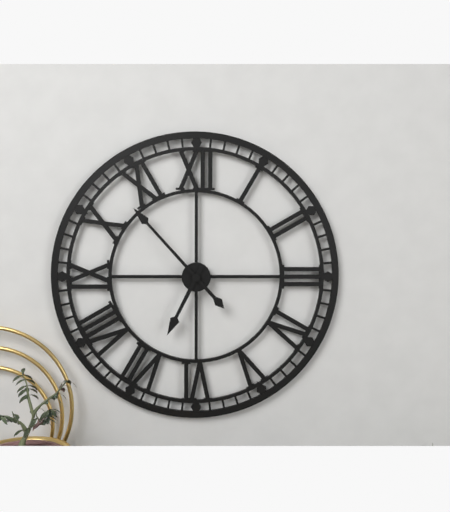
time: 6:53
